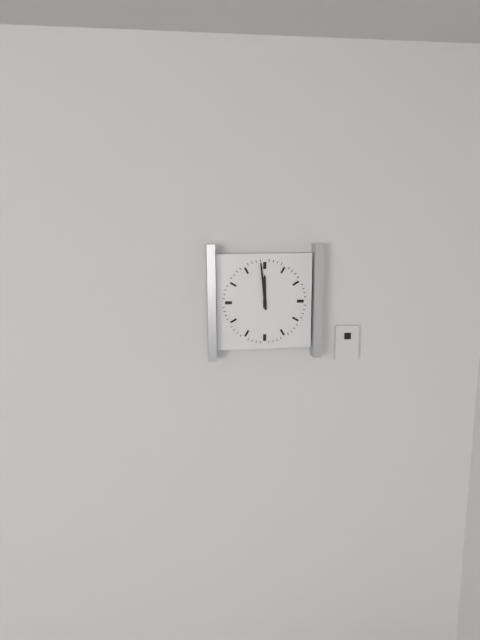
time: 11:59
